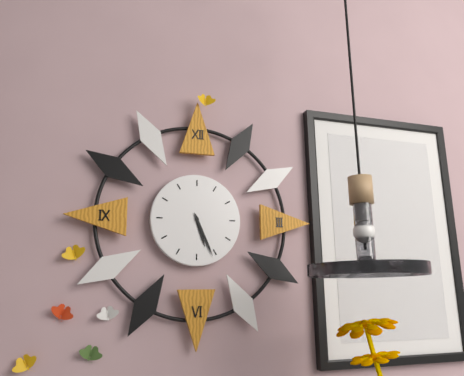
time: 5:26
